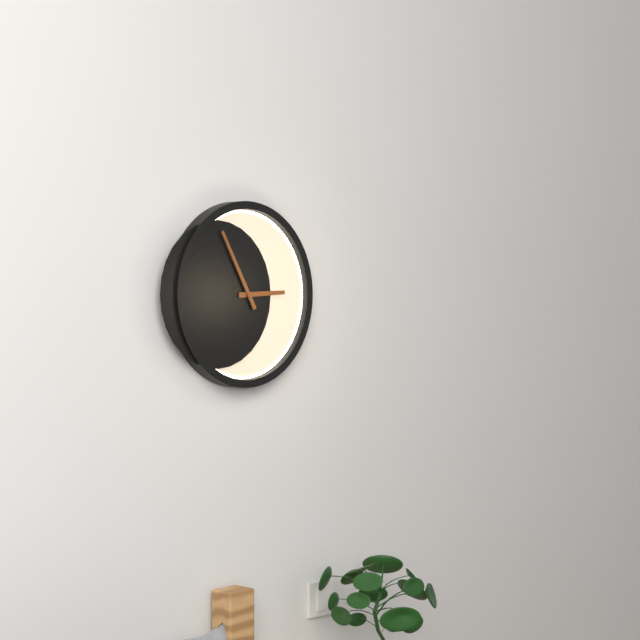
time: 2:55
